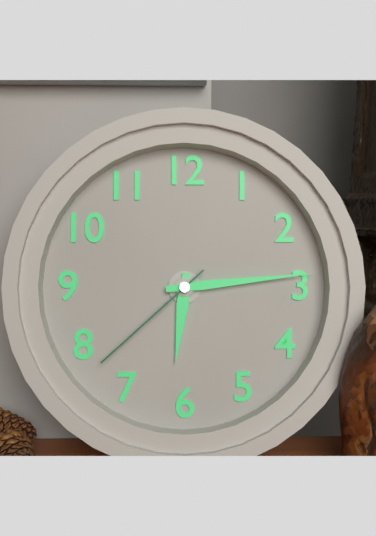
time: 6:14:38
